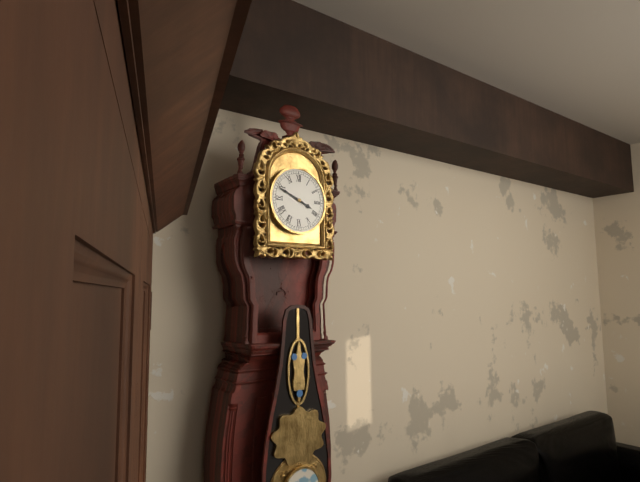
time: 3:49
